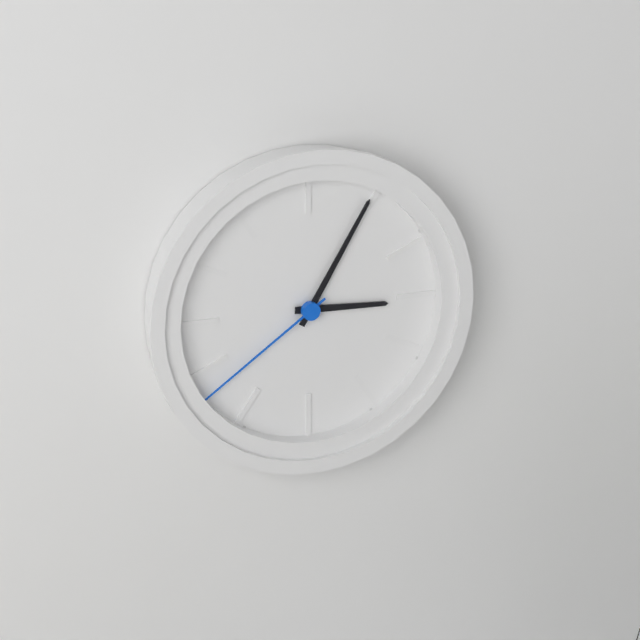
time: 3:05:39
